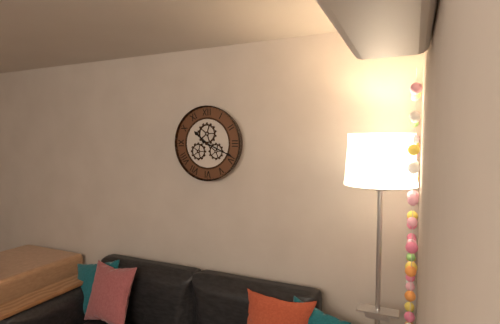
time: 10:19
